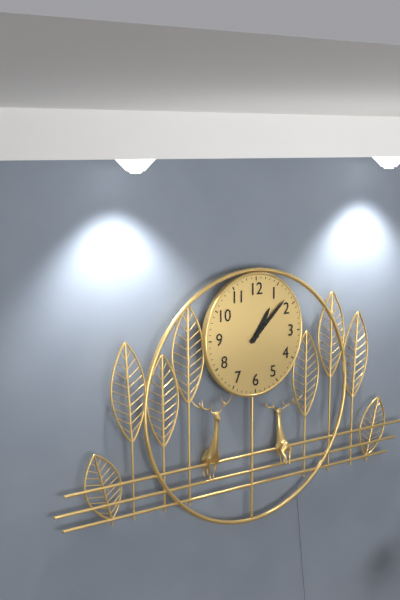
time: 1:08
